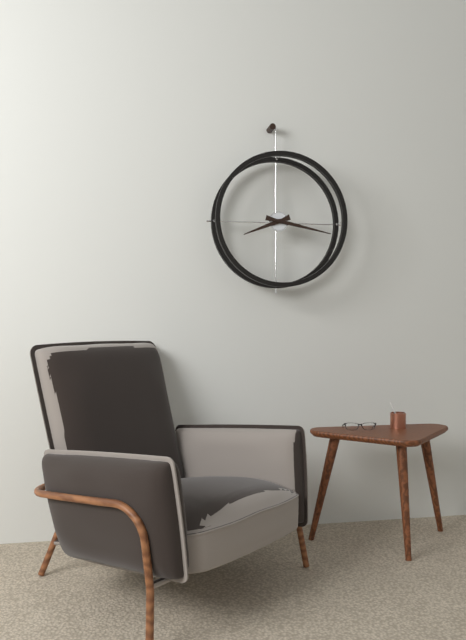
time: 8:17
